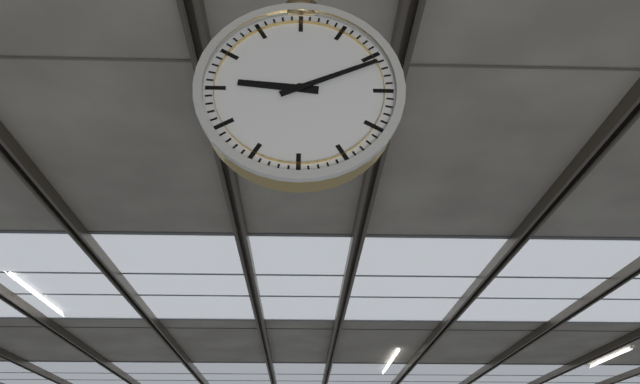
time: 9:11
